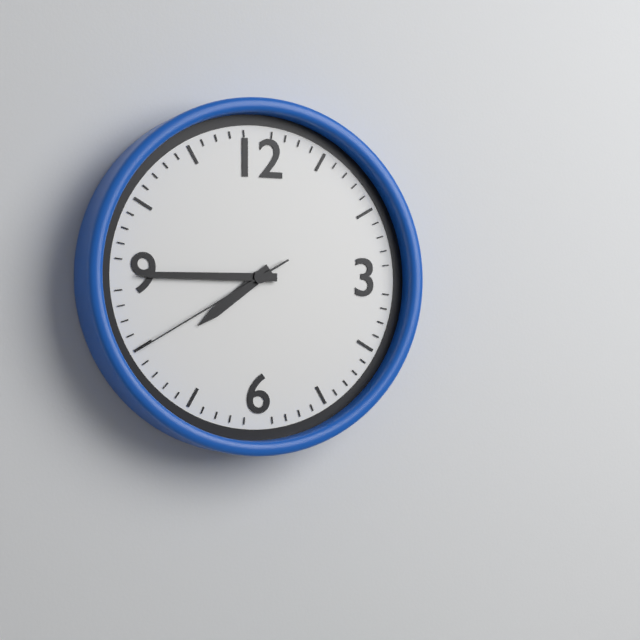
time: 7:45:40
